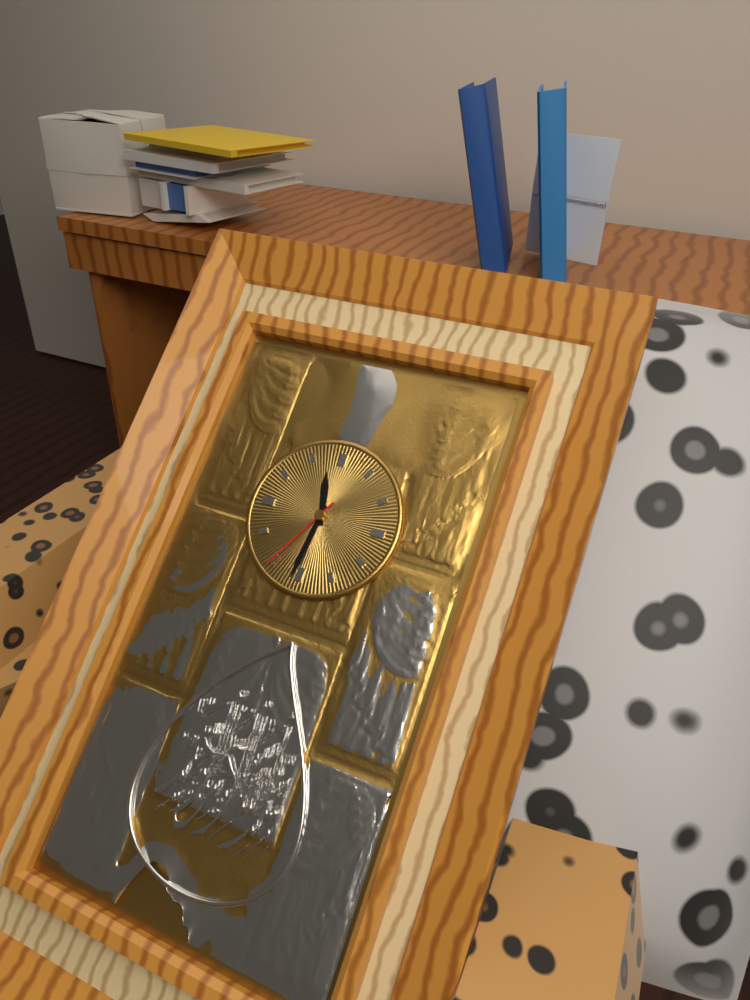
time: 11:31:35
